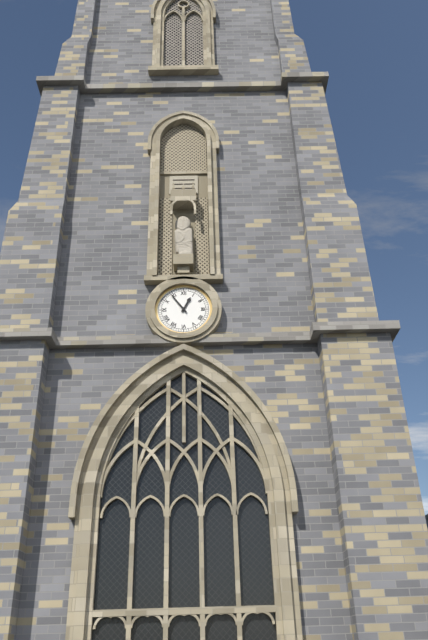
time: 12:54
